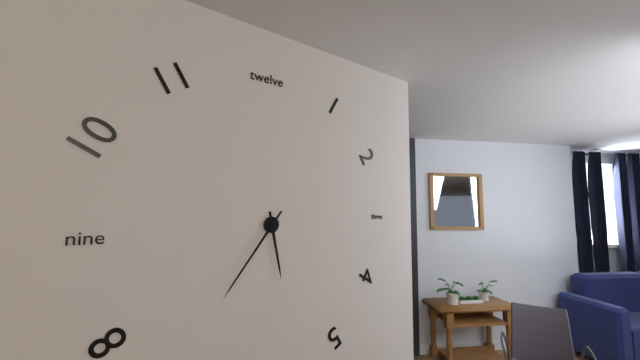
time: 5:36
